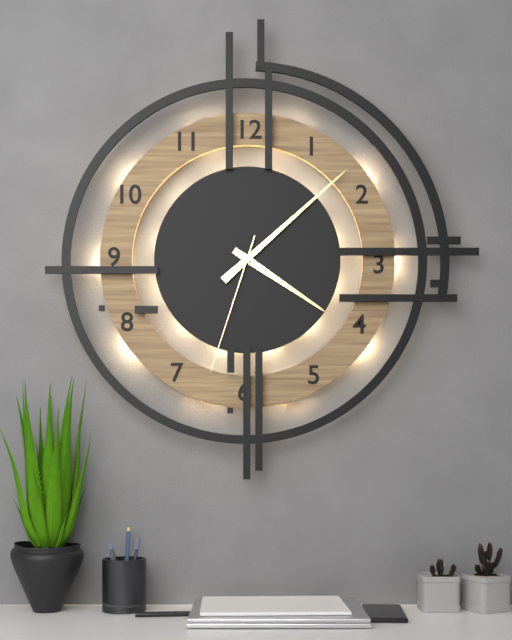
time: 4:08:33
